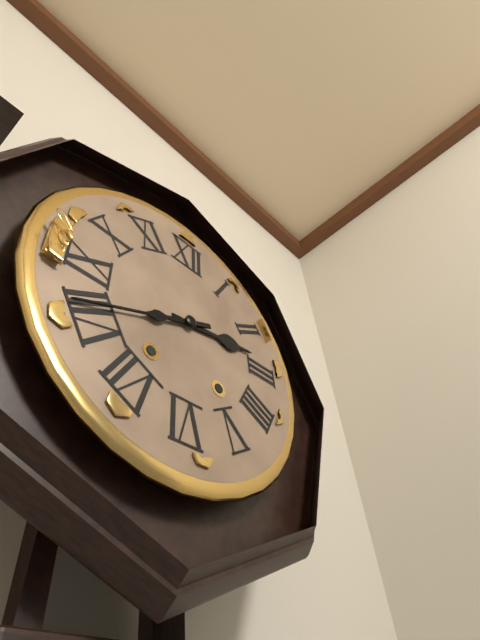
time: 2:41
